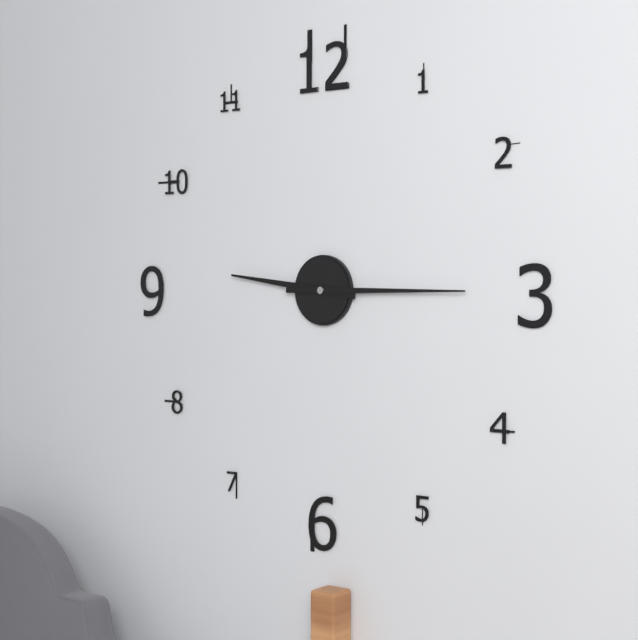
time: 9:15
